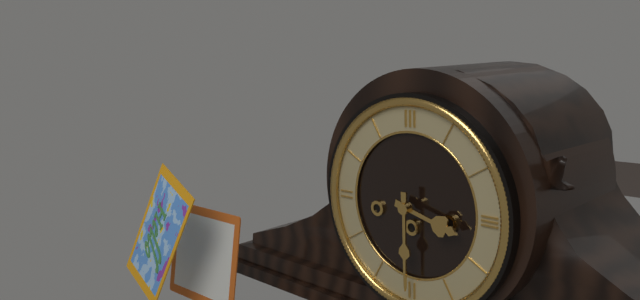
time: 3:30
